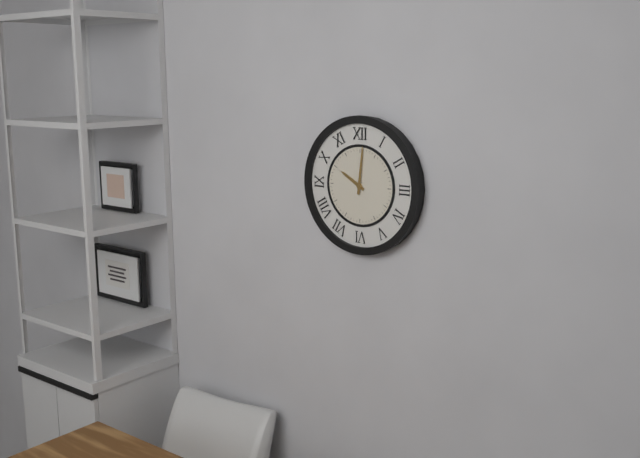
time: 10:01
